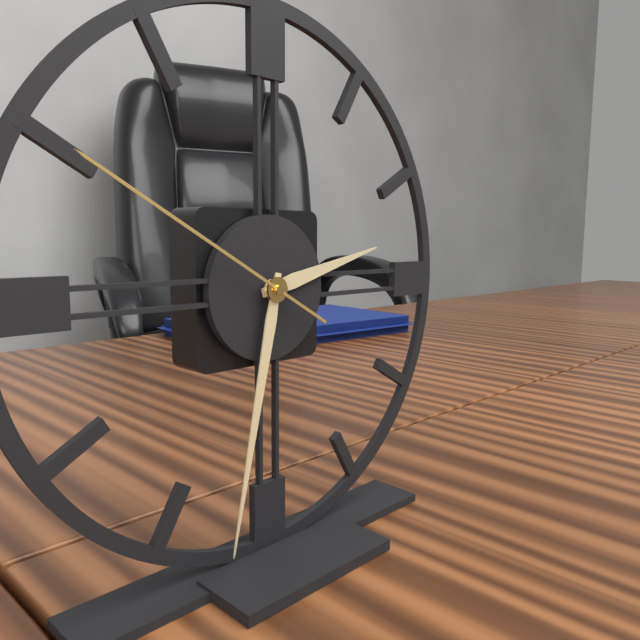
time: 2:32:50
